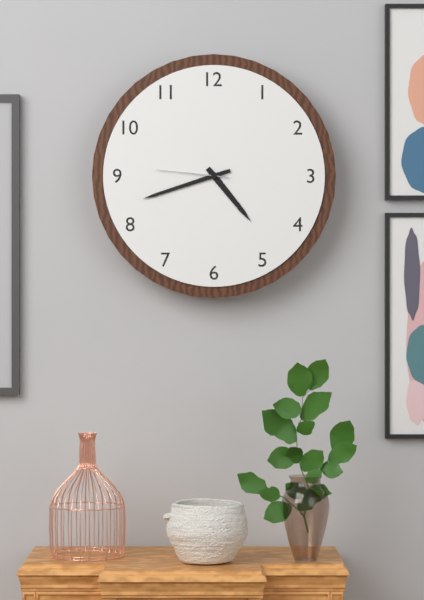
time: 4:42:46
